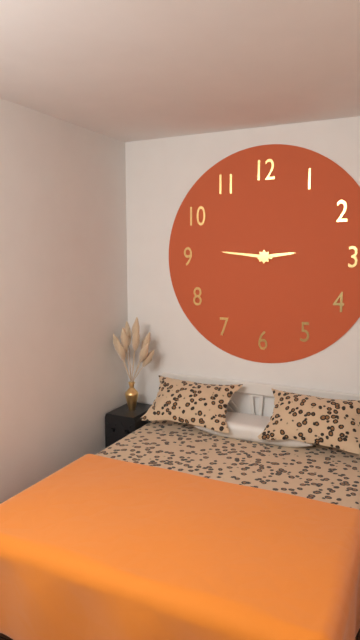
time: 2:46
